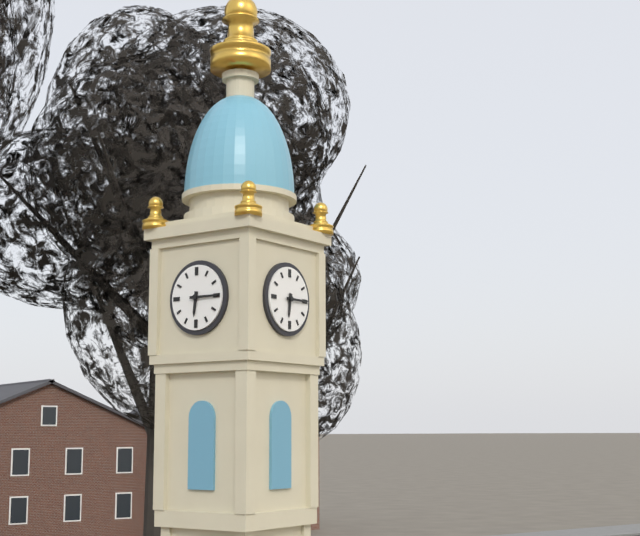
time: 6:15
